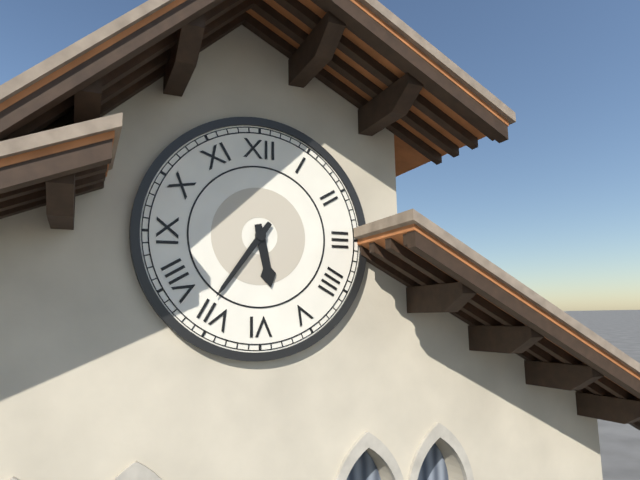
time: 5:36
